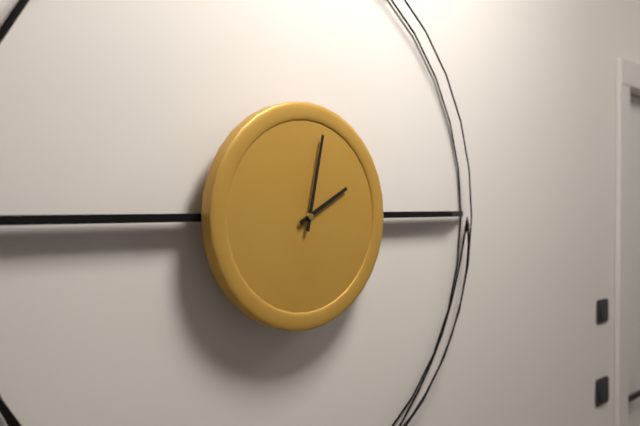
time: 2:02
